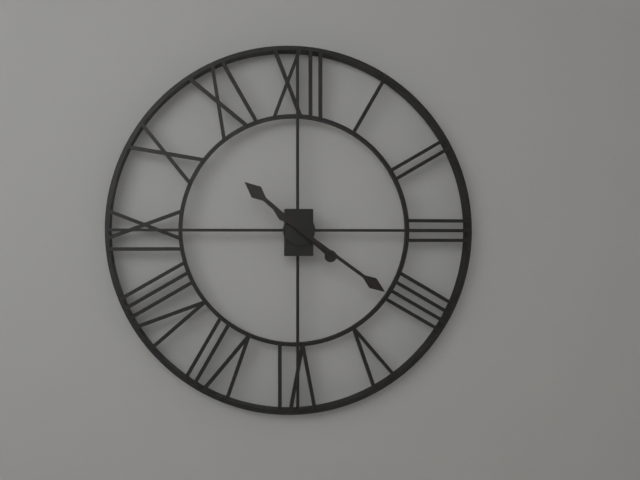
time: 10:21
